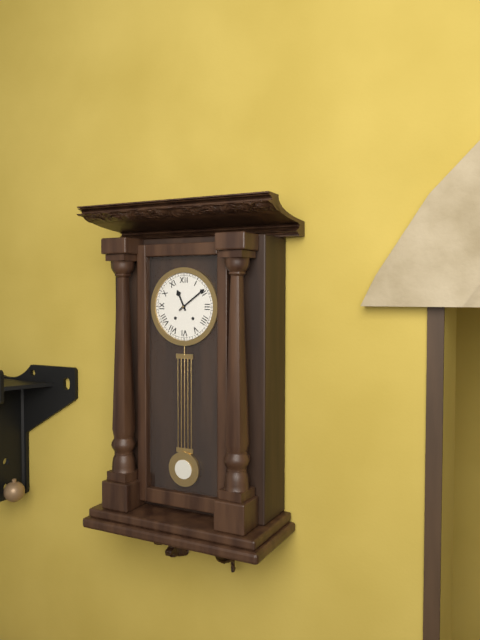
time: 11:09
